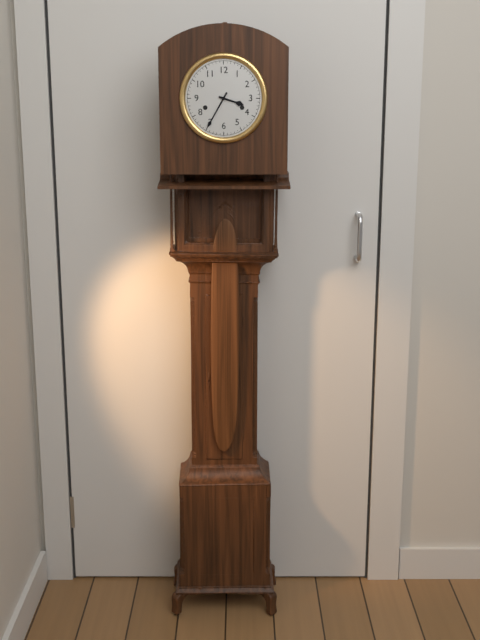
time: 3:35
